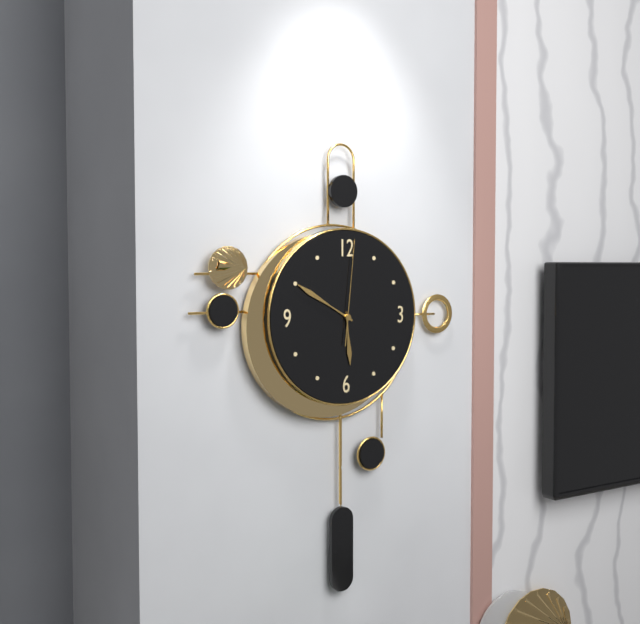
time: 5:50:01
